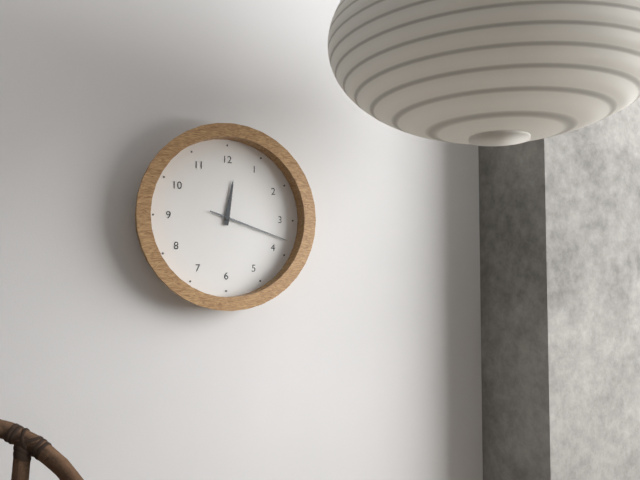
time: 12:18
